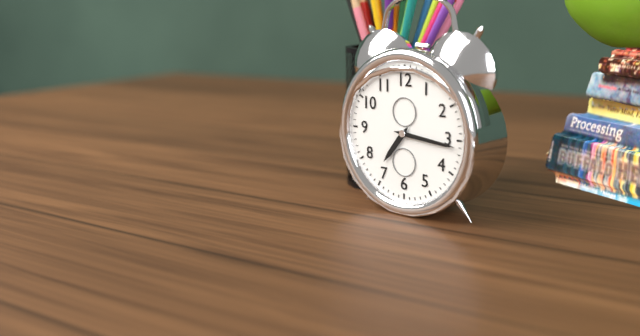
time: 7:16
